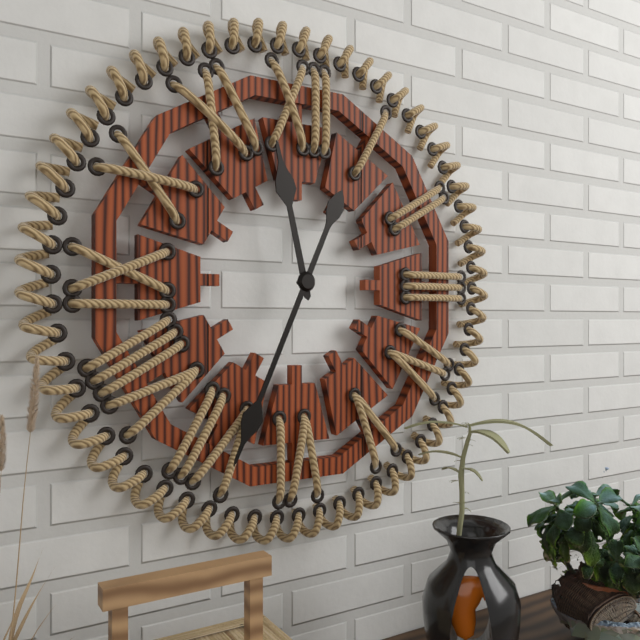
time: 11:34
